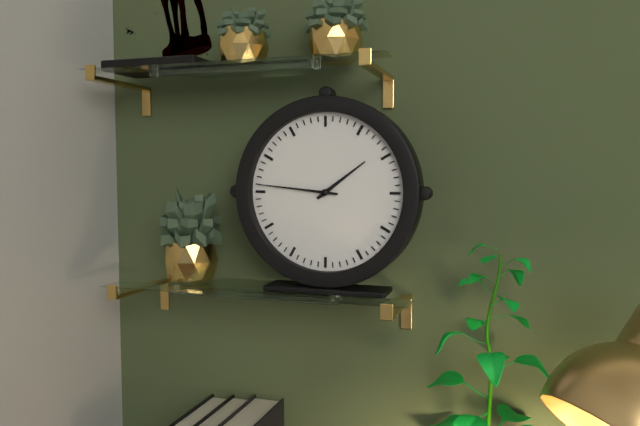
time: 1:46
